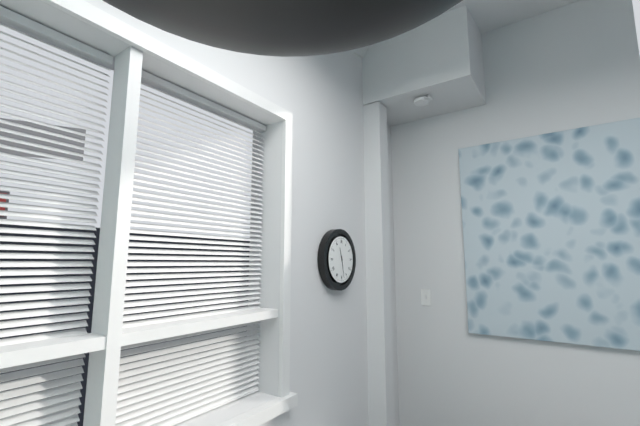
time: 11:28
